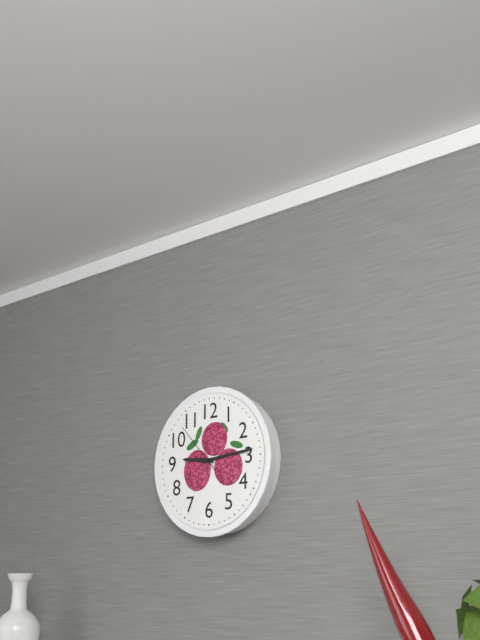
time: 9:14:53
